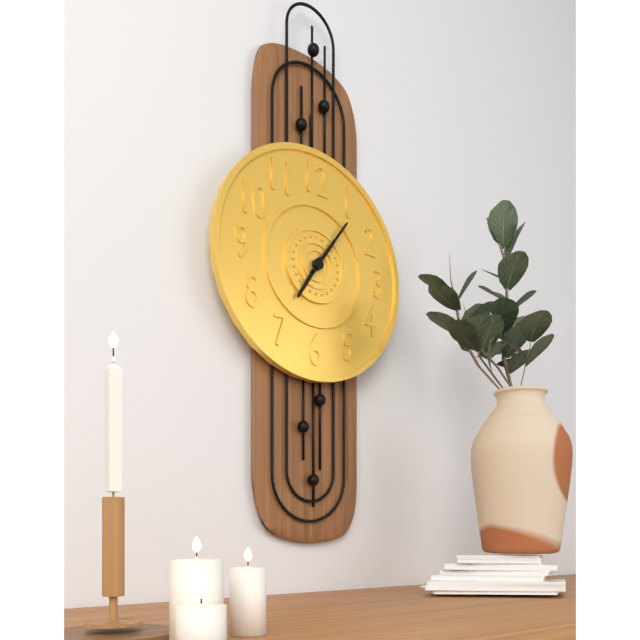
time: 7:06
